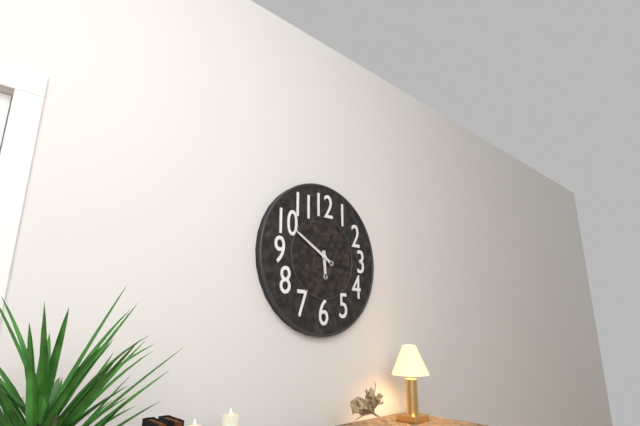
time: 5:50
